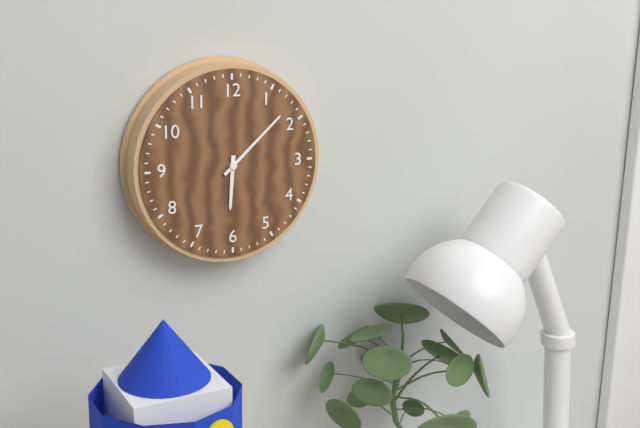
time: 6:08
